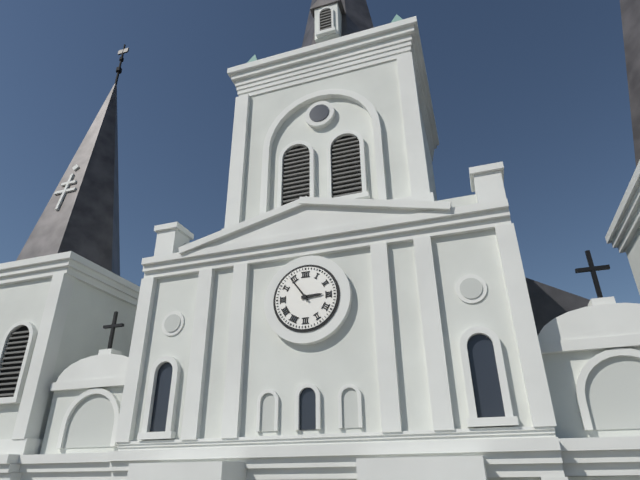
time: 2:54
